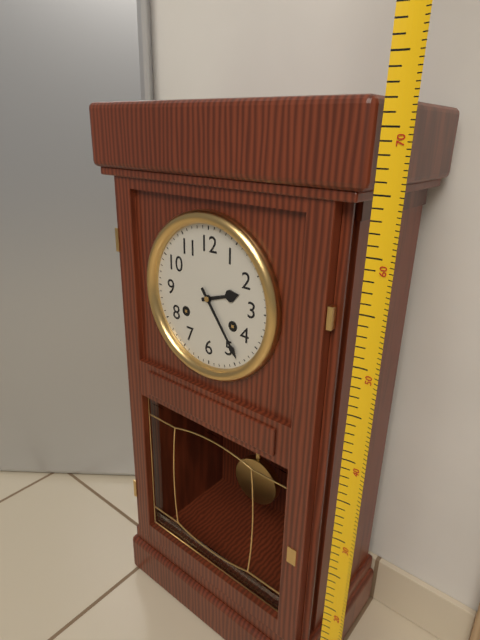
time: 2:24
